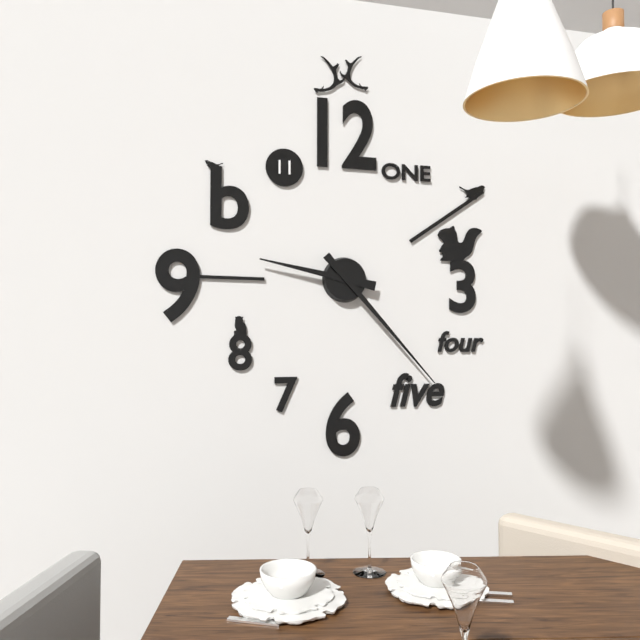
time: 9:23
